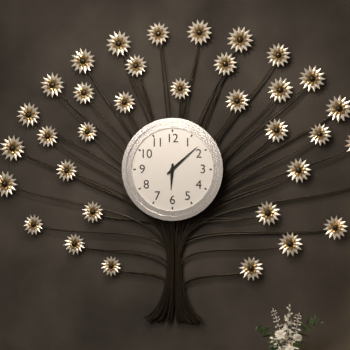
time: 6:08
